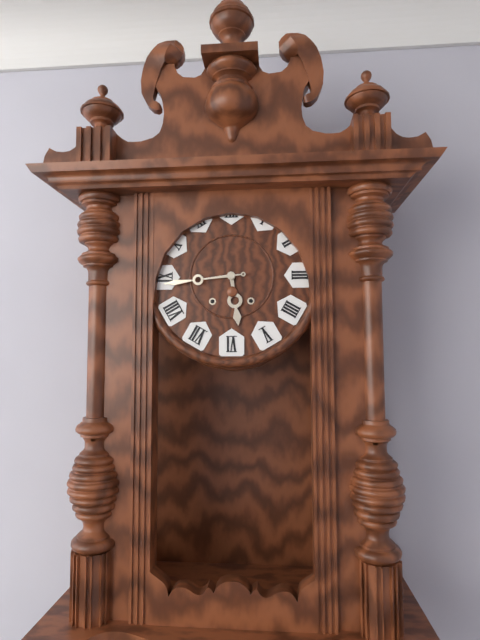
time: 5:44
